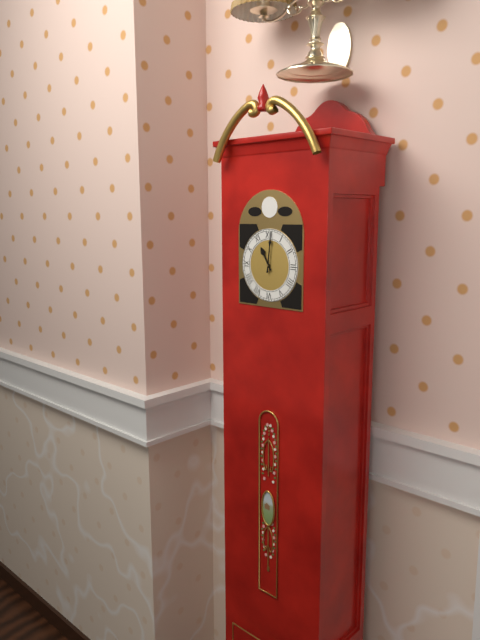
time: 11:01
